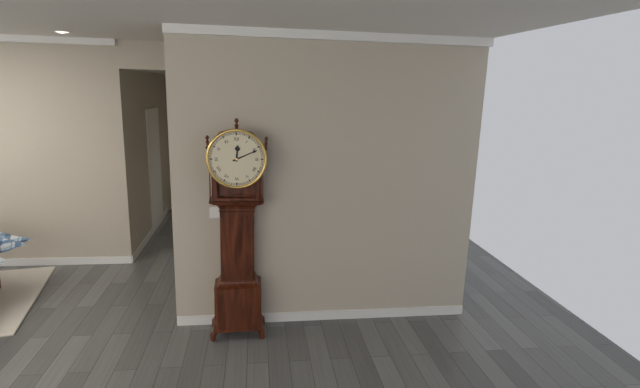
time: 12:11
